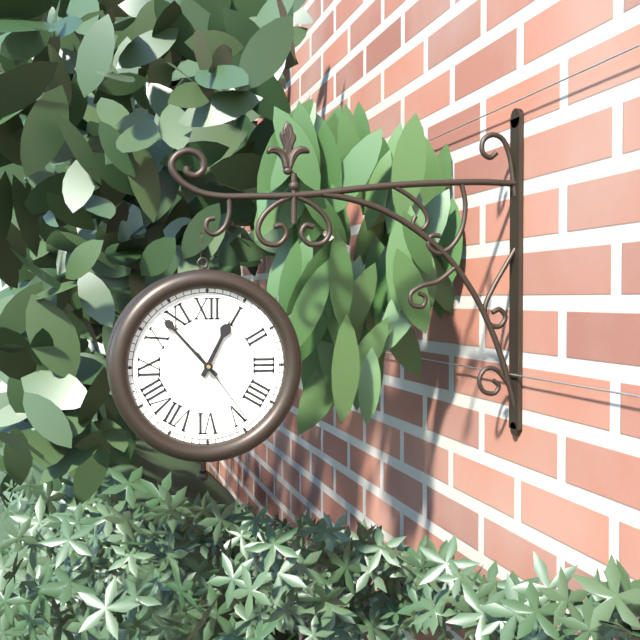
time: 12:53:24
